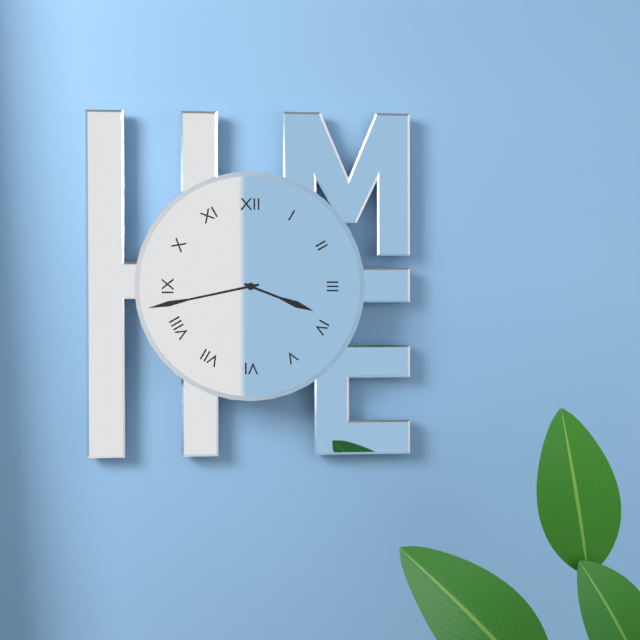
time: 3:43
